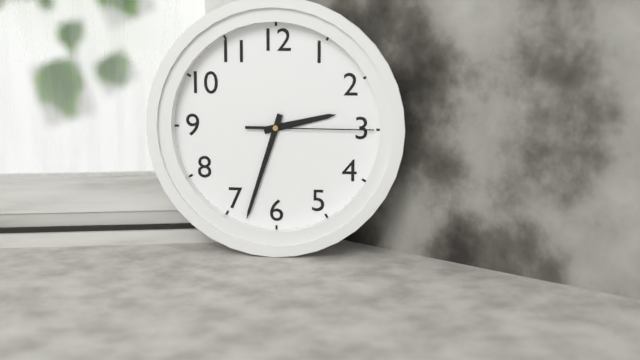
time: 2:33:15
